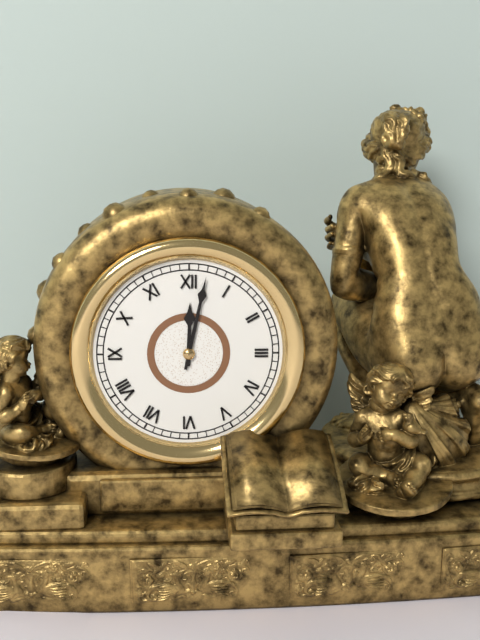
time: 12:02
